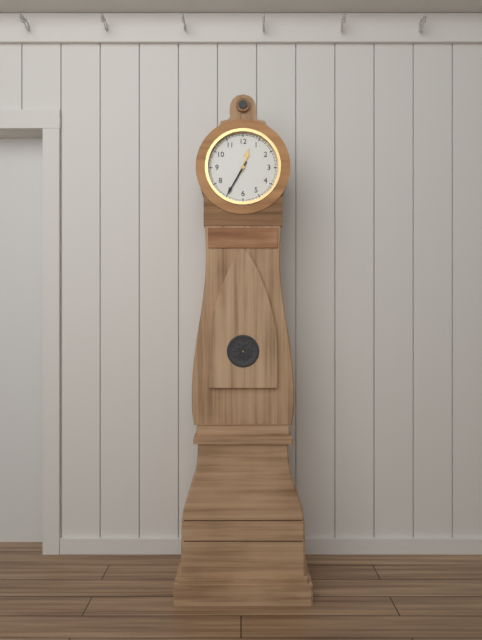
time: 12:35
